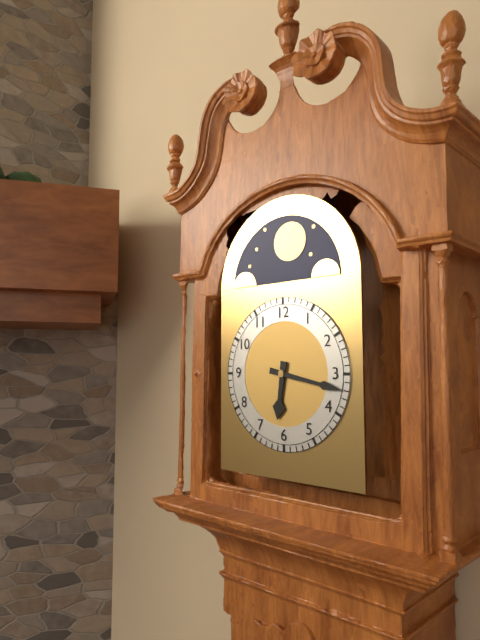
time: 6:17
